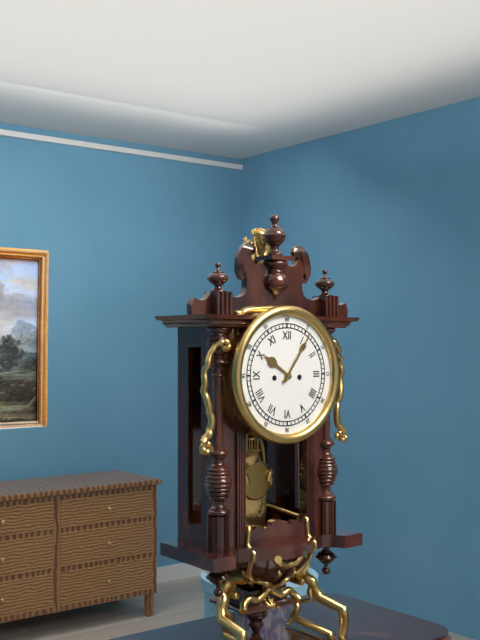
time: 10:06
